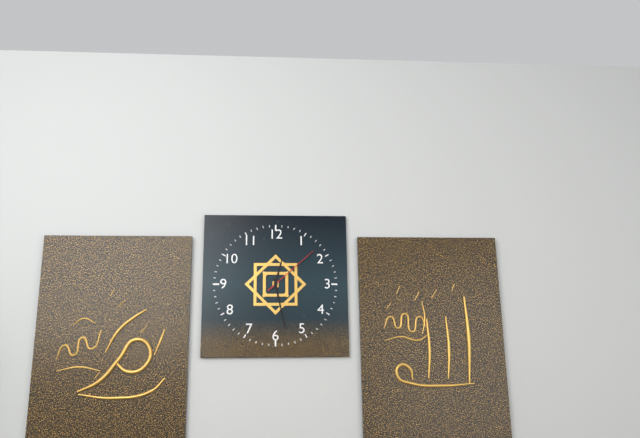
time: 12:28:08
